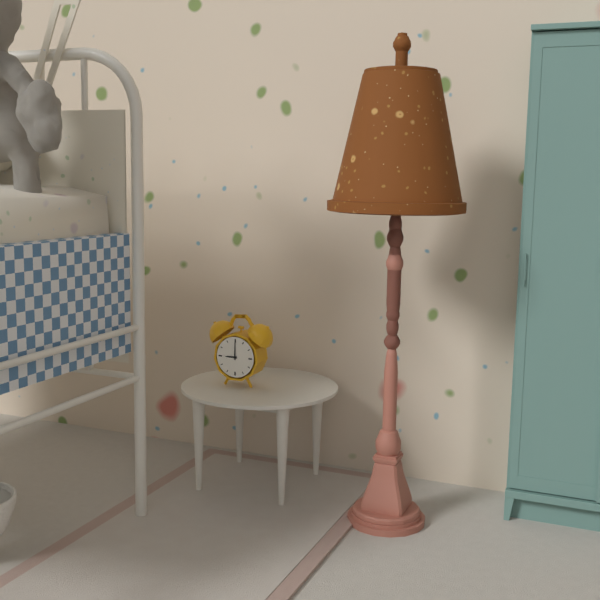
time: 9:00
